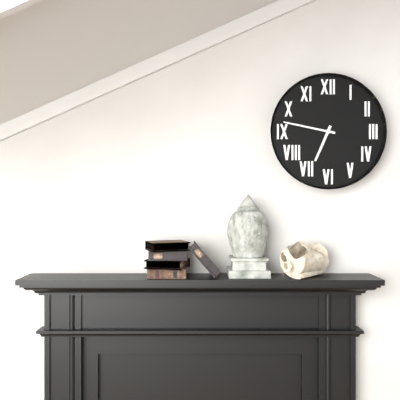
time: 6:47
